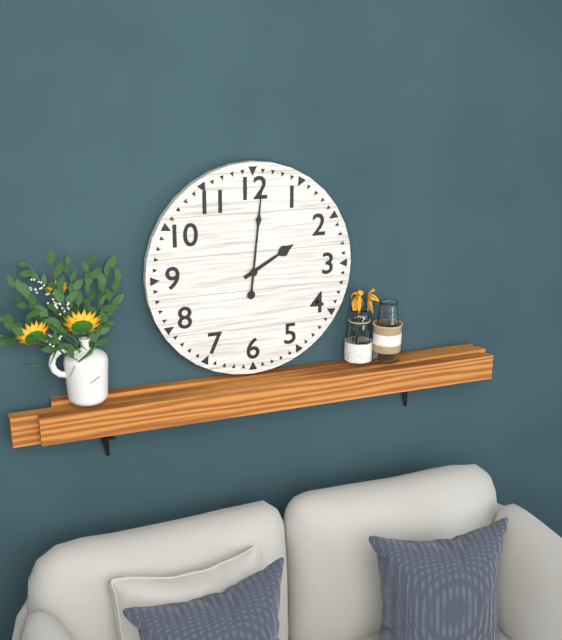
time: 2:01
